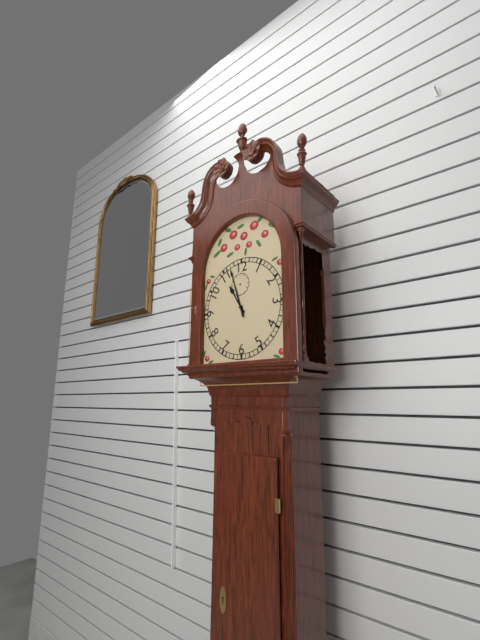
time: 10:57
